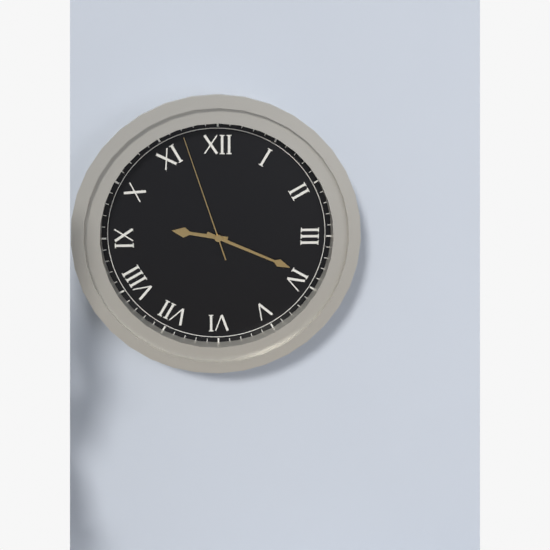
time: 9:19:57
